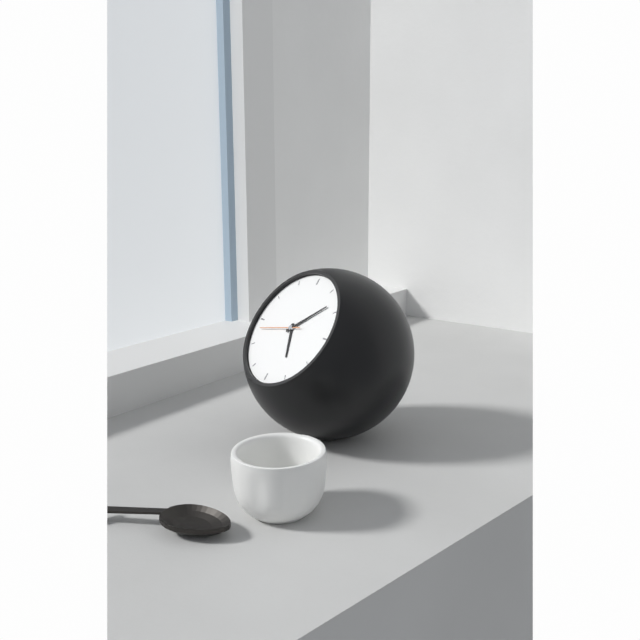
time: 5:08:43
